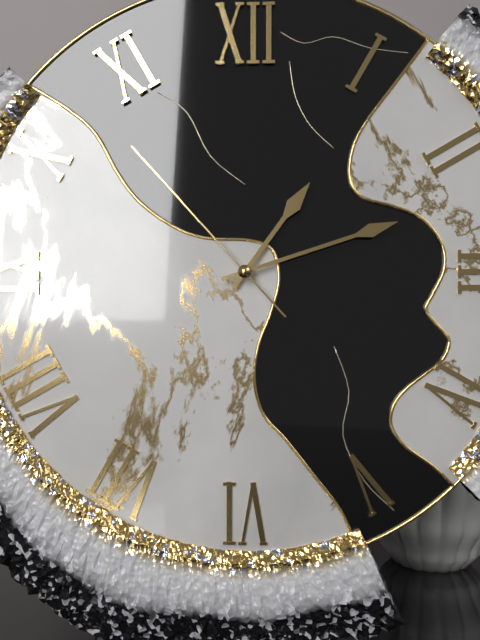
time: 1:12:53
